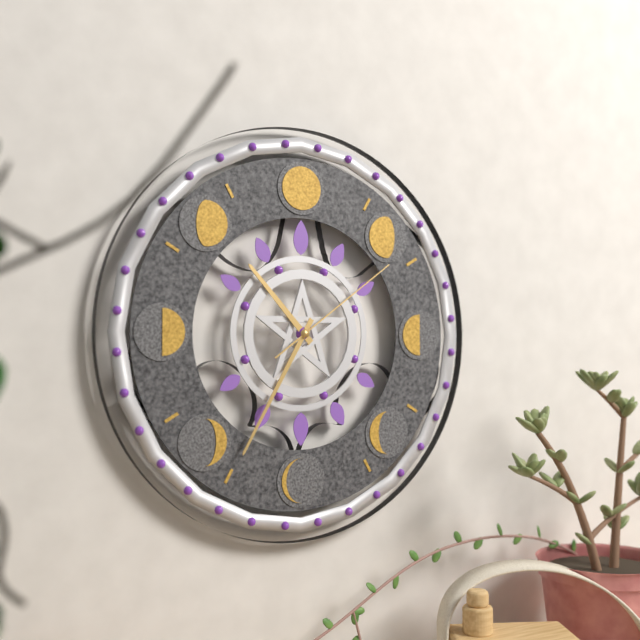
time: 10:35:09
